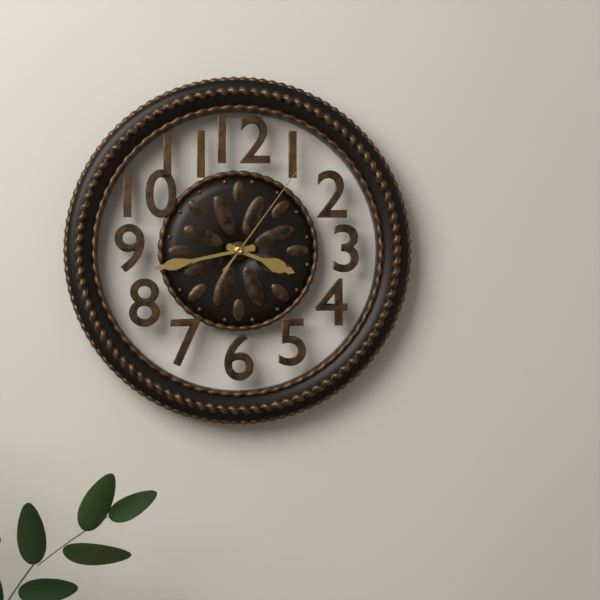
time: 3:43:06
